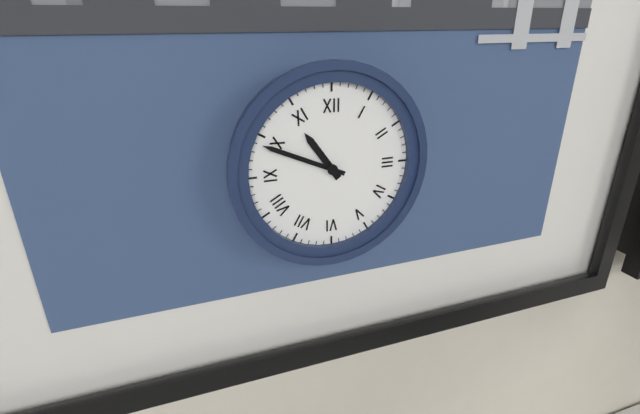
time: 10:49
